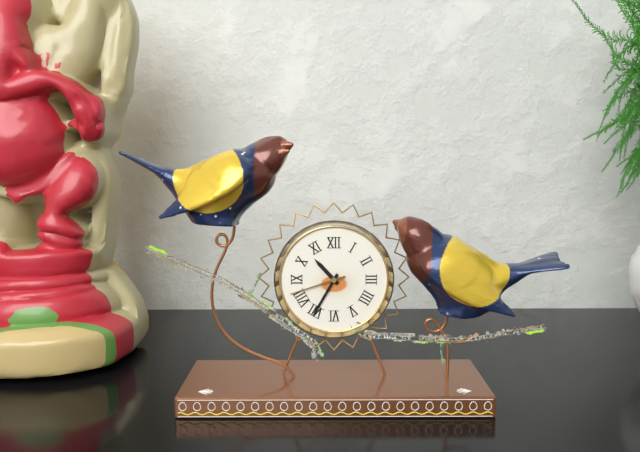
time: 10:35:42
